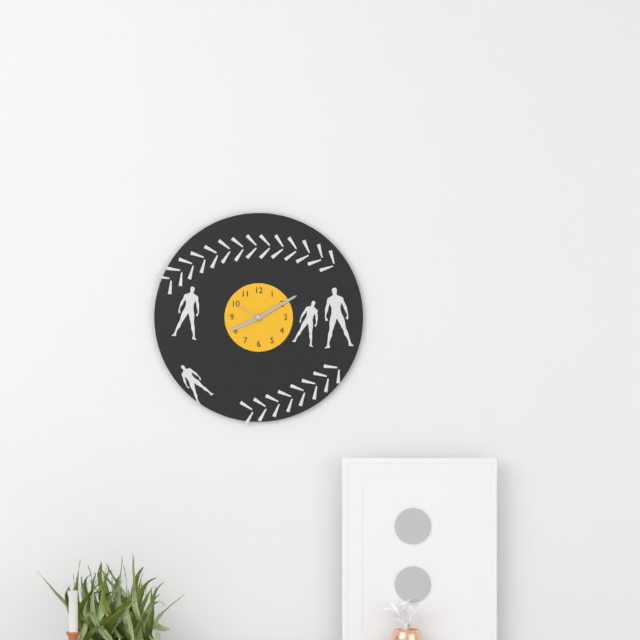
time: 8:10
